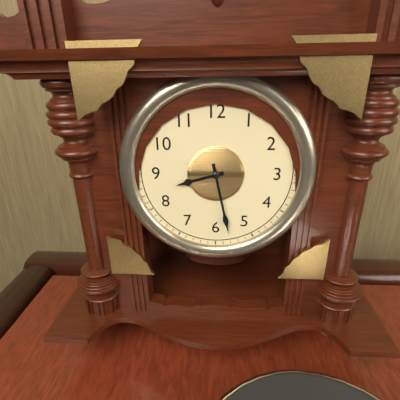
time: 8:28
